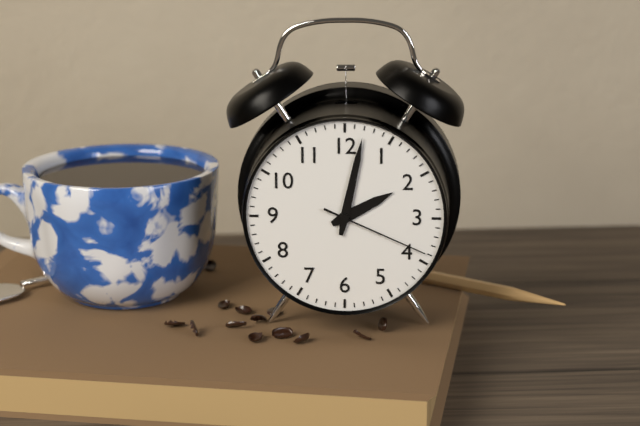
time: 2:02:19
